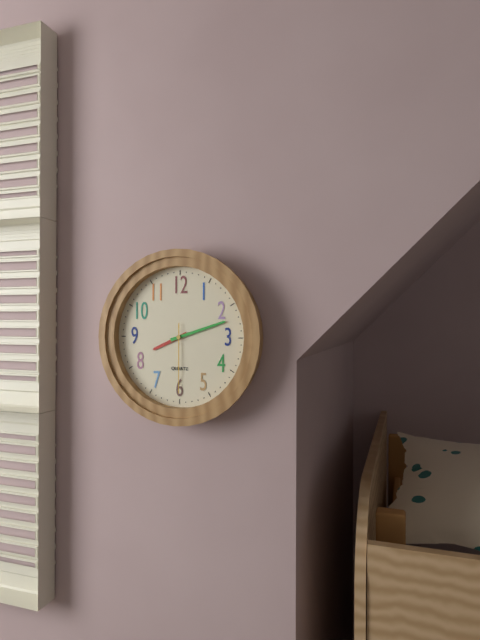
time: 8:12:30
